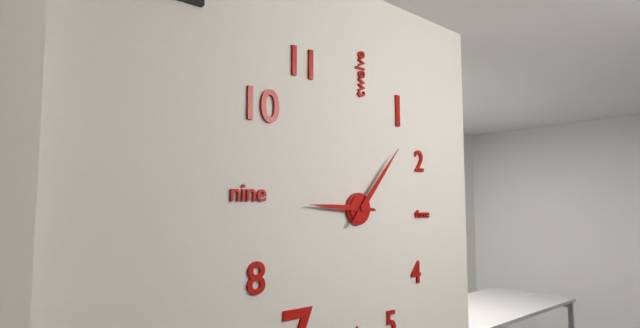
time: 9:07
